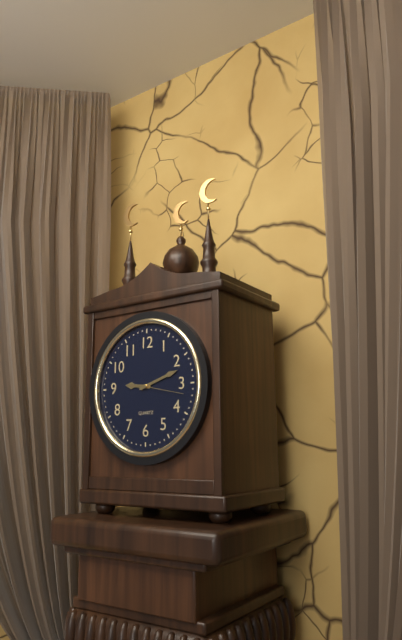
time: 9:12
